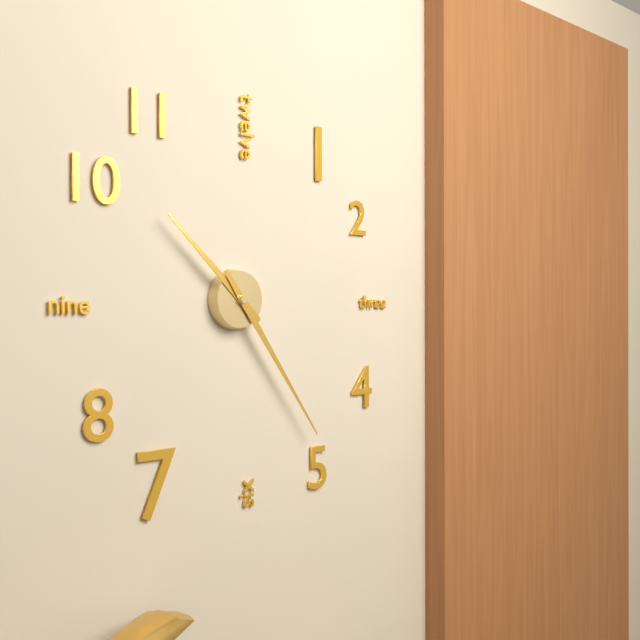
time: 10:24
